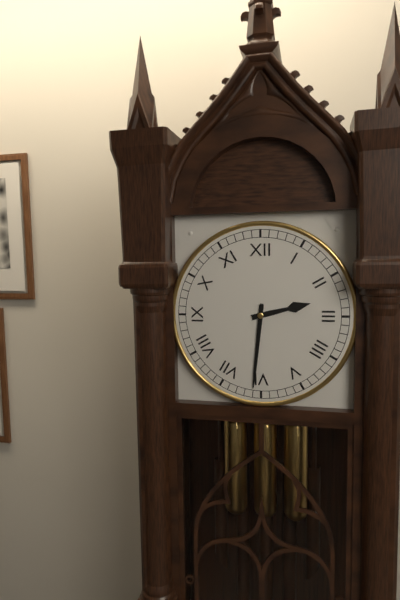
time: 2:31
